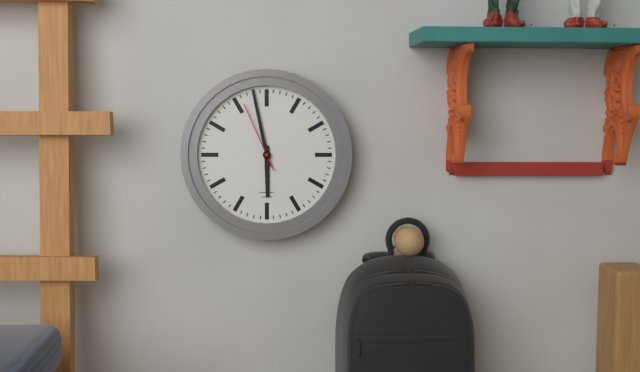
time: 5:58:56
